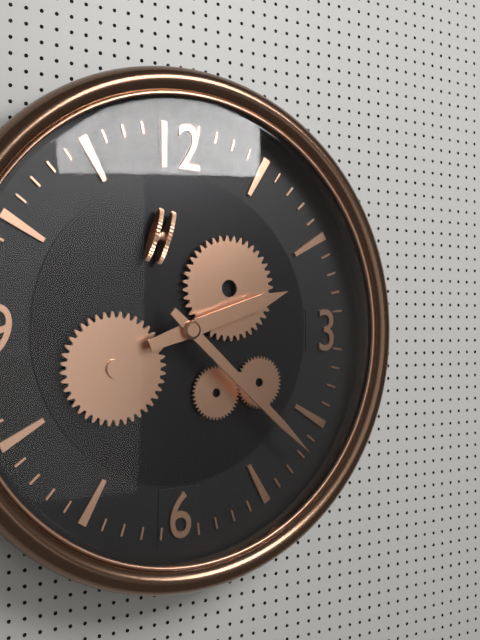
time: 2:22
